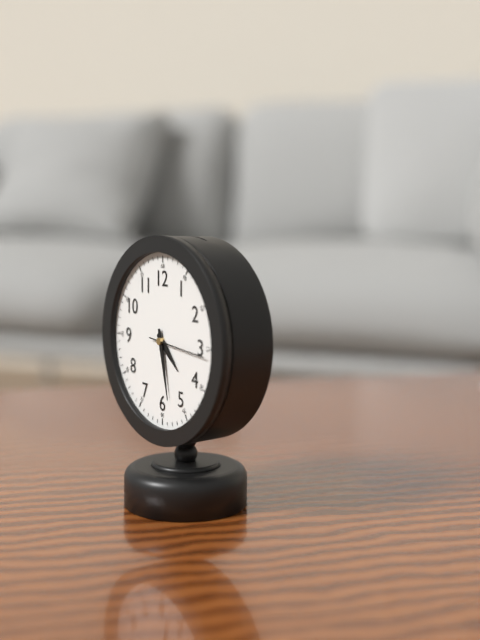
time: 4:28:16
